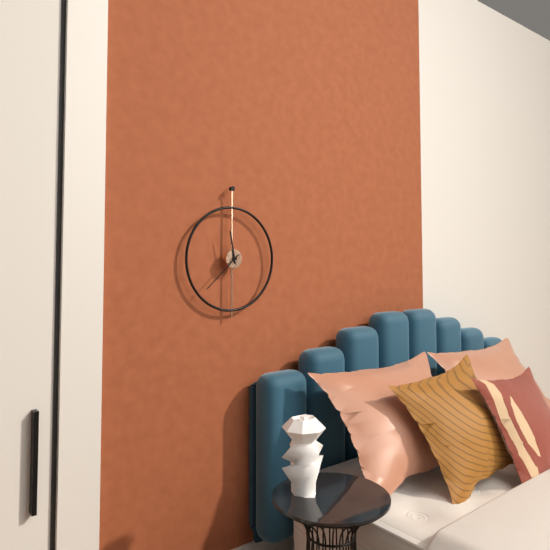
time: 11:38
